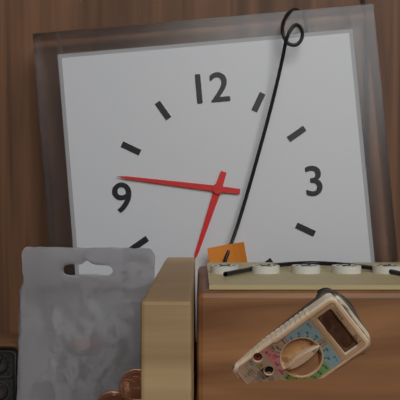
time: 6:47
